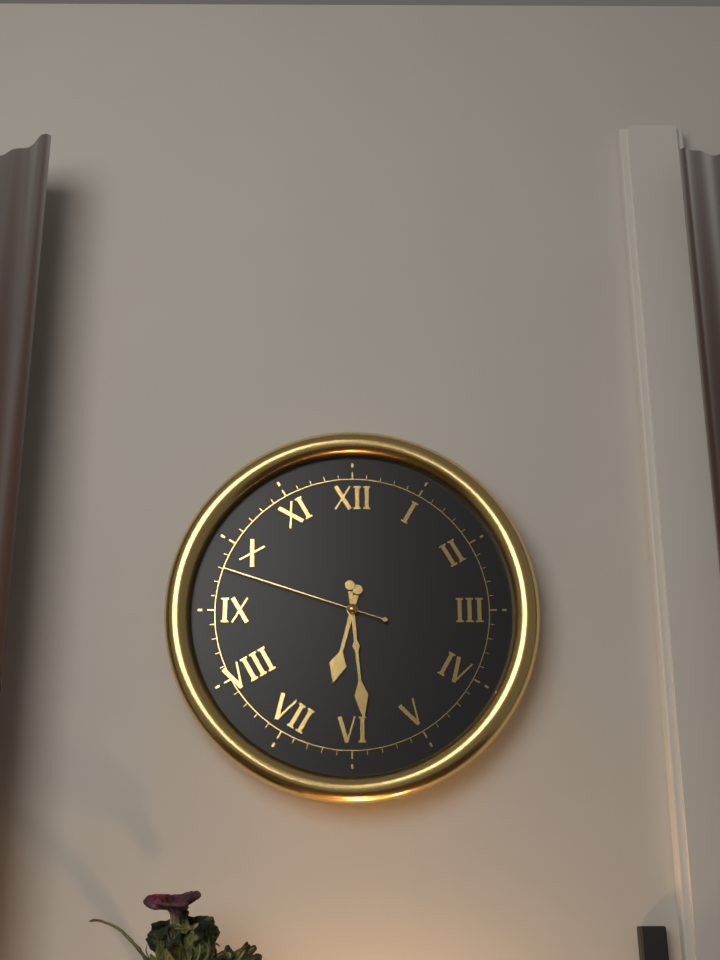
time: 6:29:48
